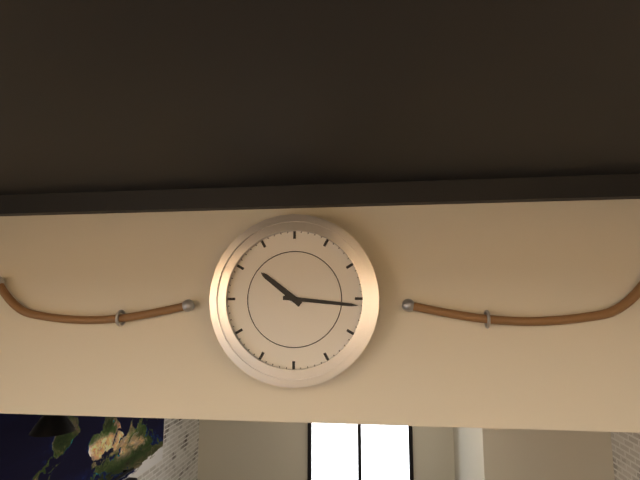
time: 10:16
